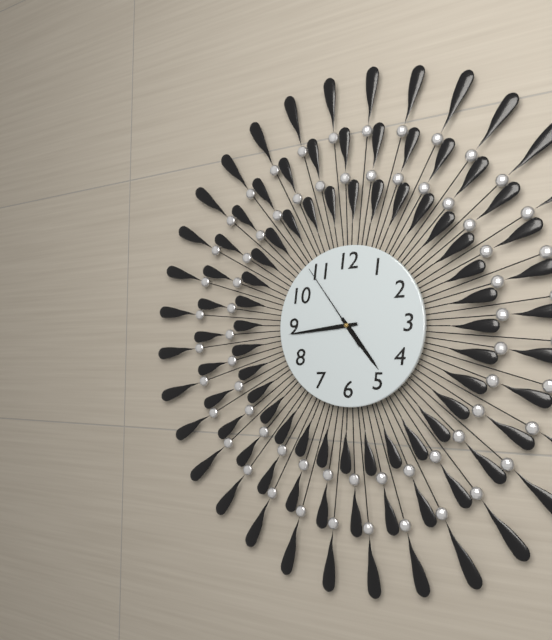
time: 4:44:54
